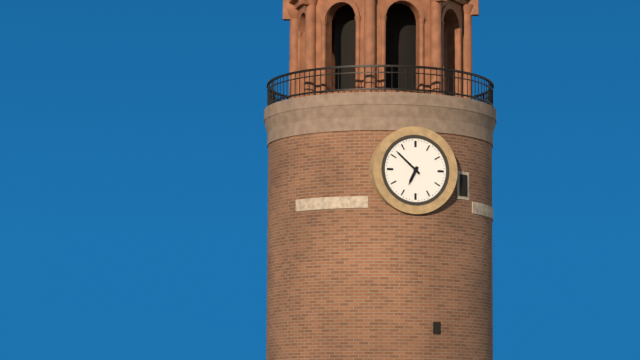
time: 6:52
